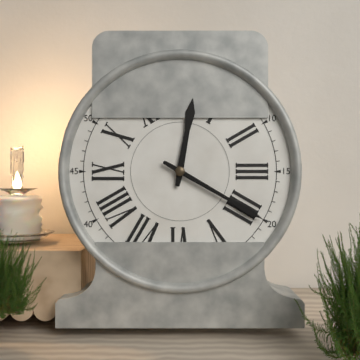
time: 12:20
